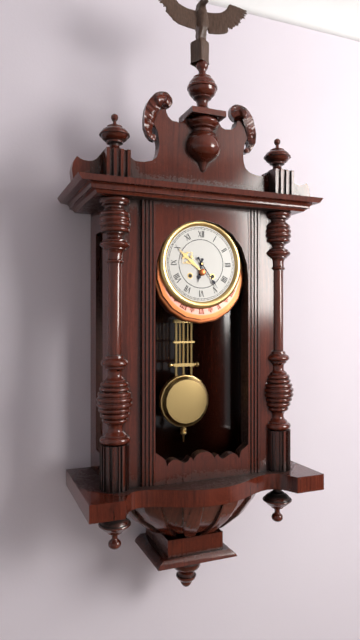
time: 6:24
